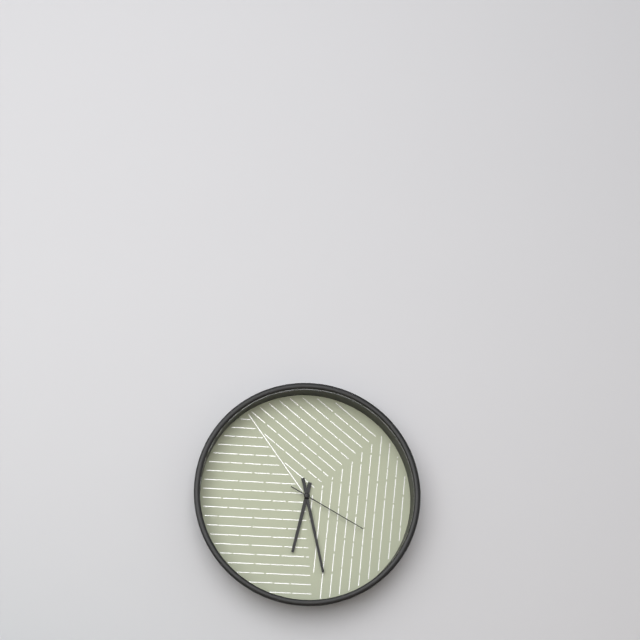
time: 6:28:20
